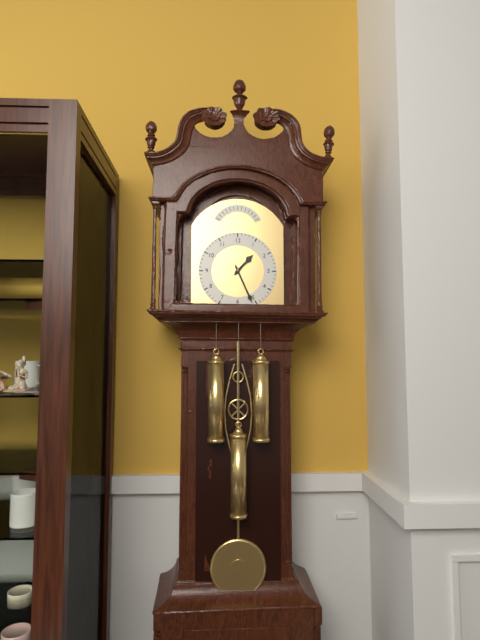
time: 1:26
